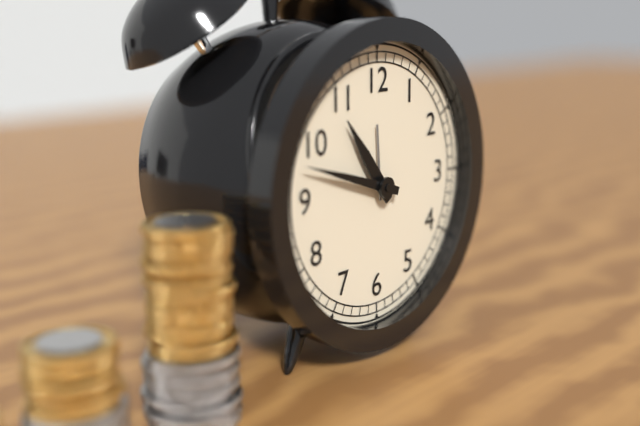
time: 10:48
